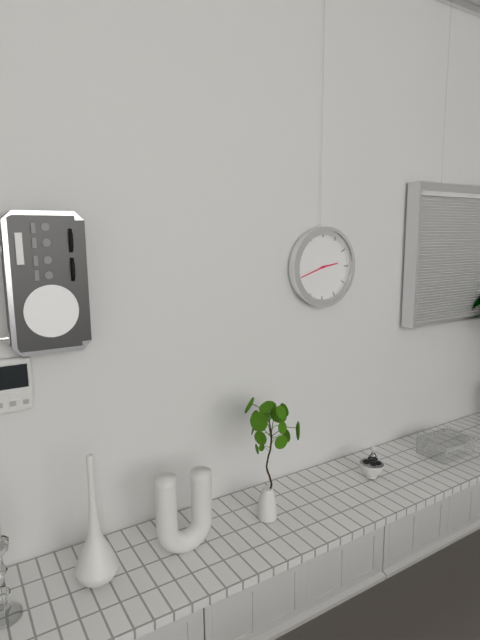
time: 2:42
